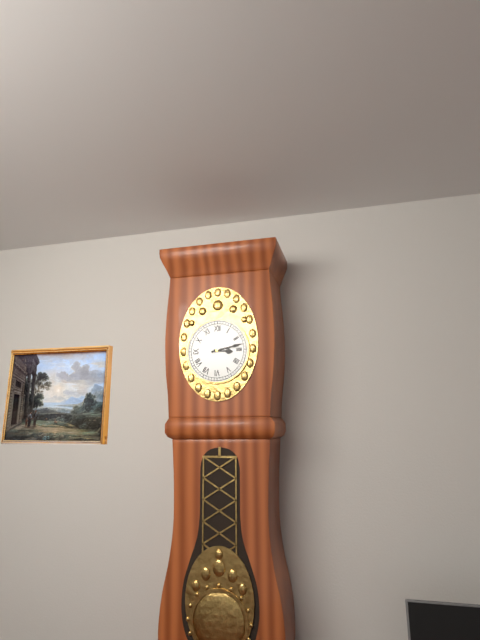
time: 3:13
